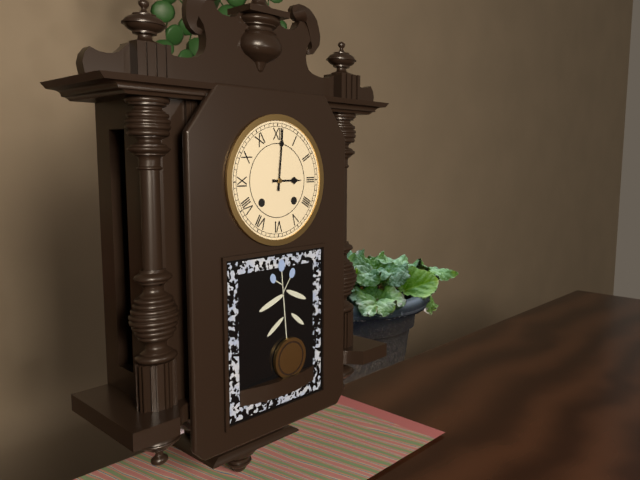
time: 3:01
